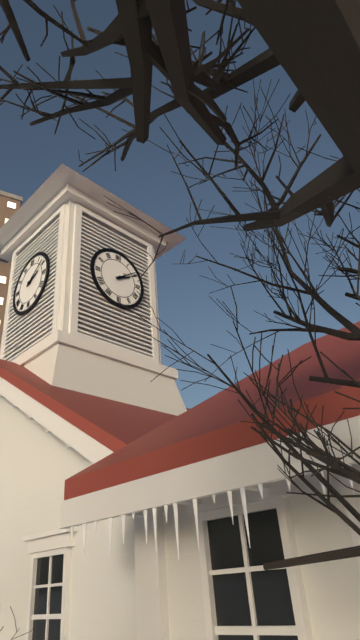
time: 2:09
